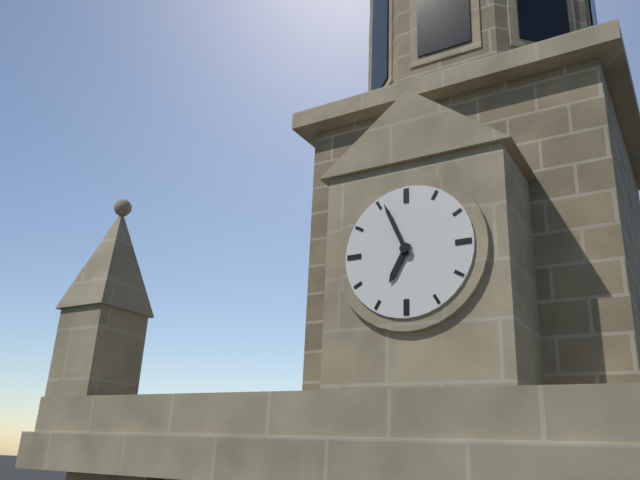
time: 6:56
